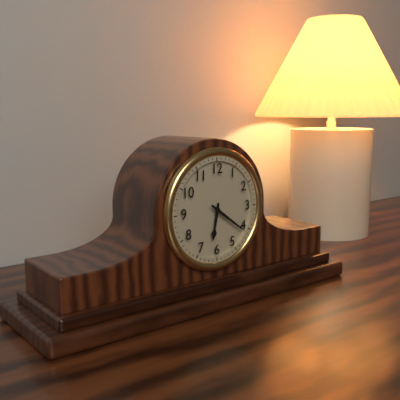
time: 6:21
